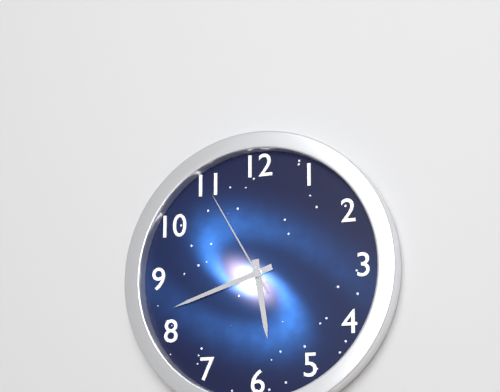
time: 5:42:55
